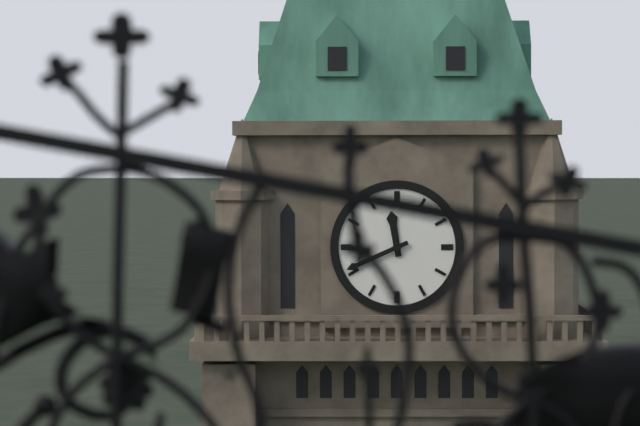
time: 11:41
